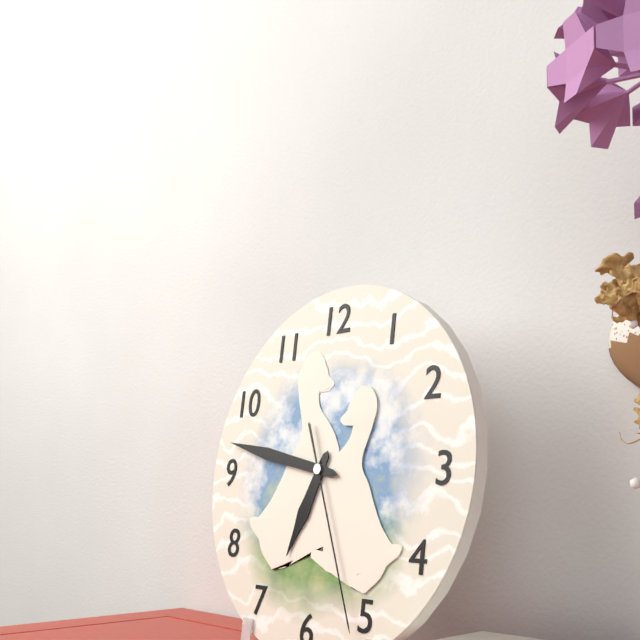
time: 6:47:26
